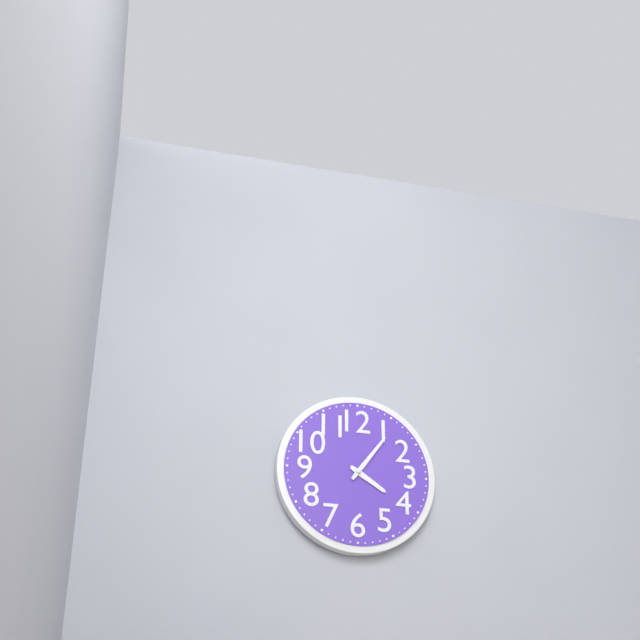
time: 4:06
